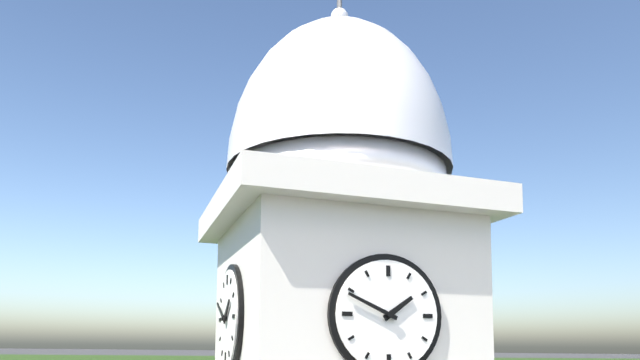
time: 1:49
